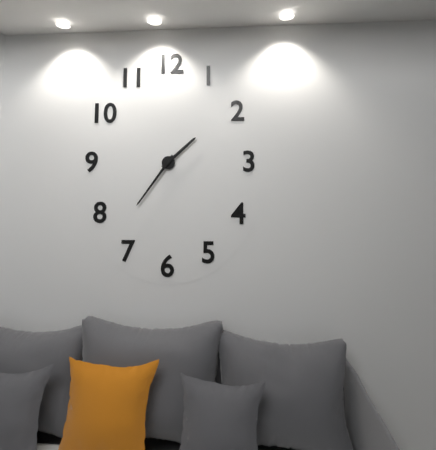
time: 1:36
